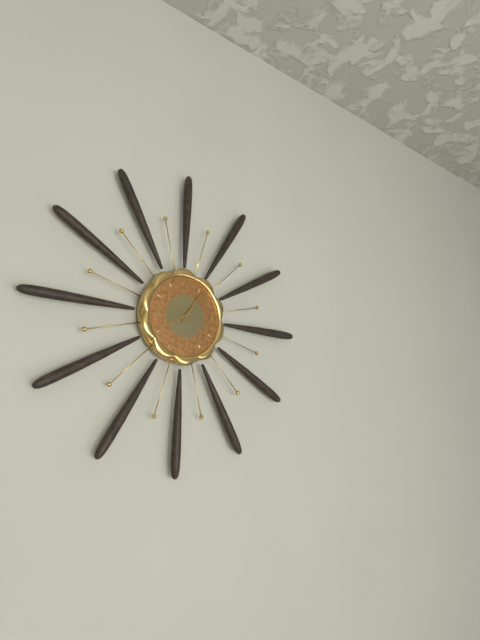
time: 8:06
